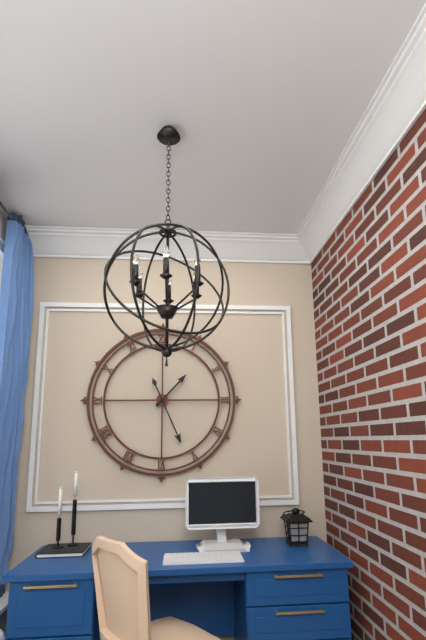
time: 1:26
